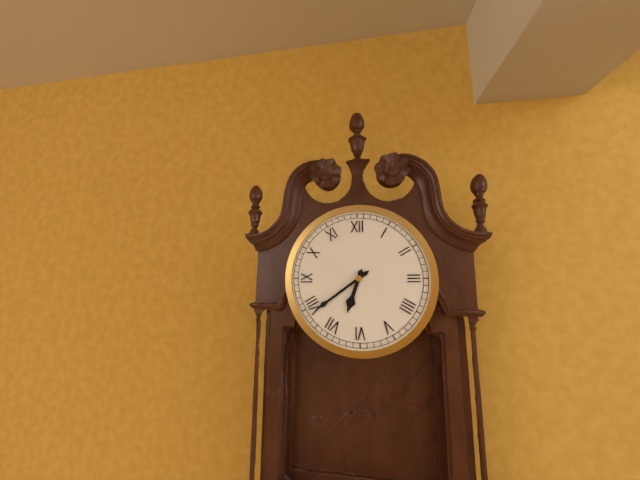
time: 6:39
